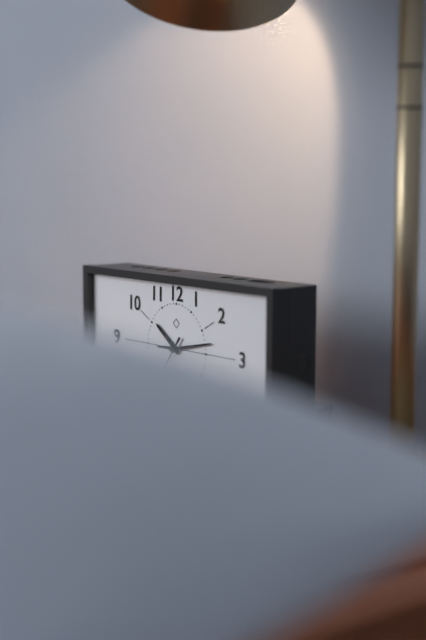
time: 10:13
